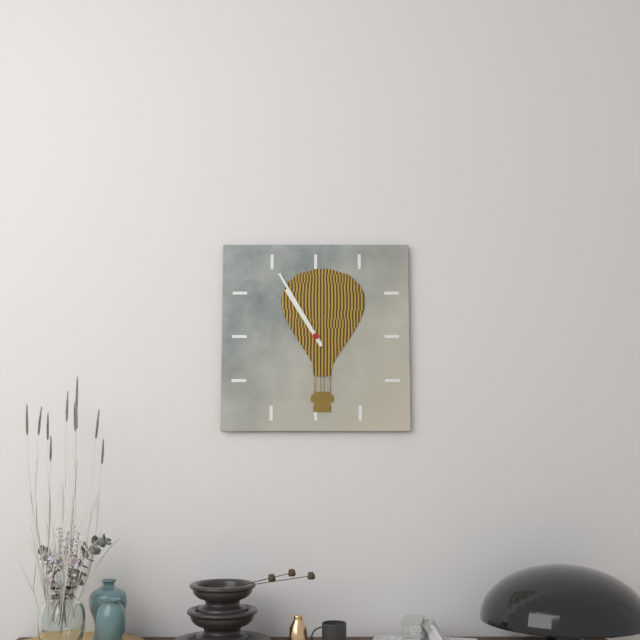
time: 10:55
